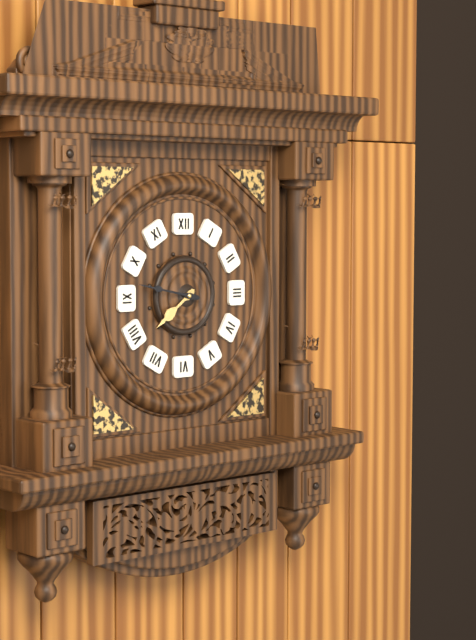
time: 7:47
